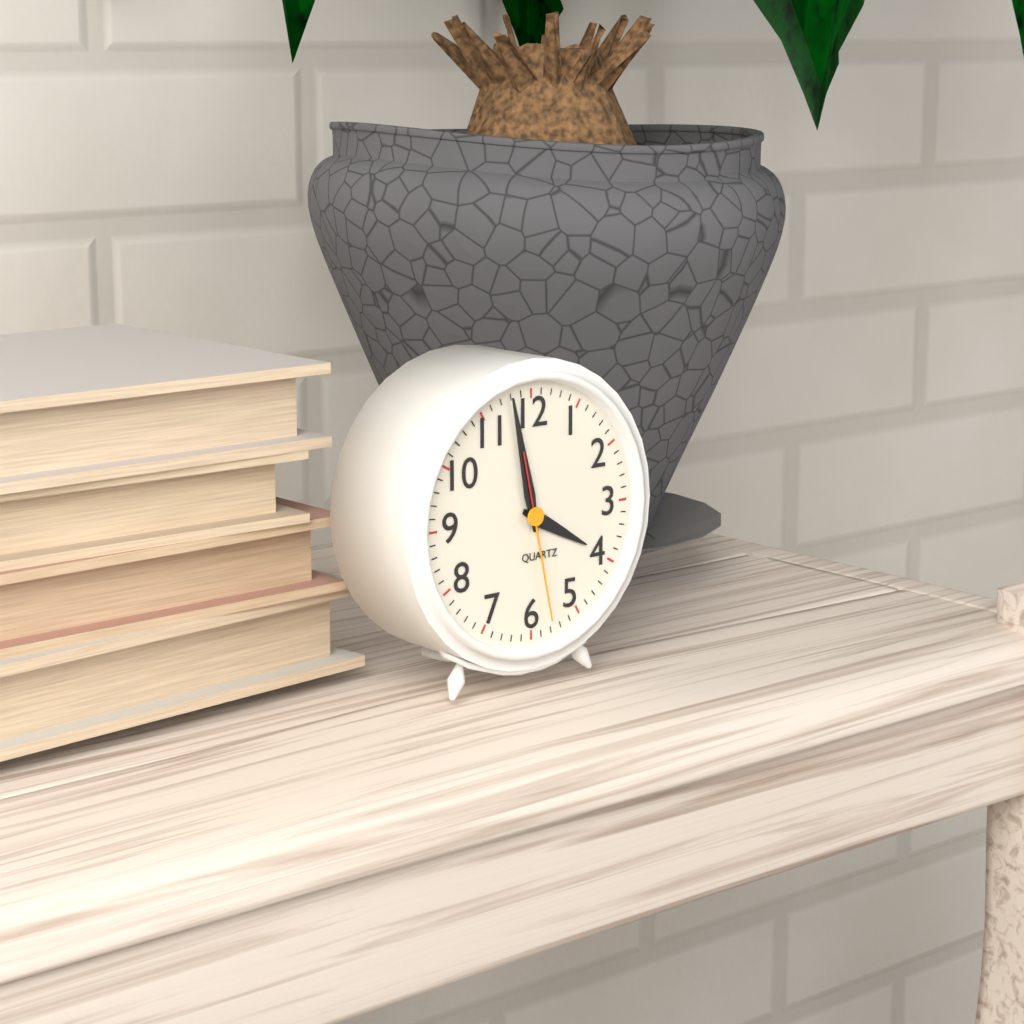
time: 3:58:28
